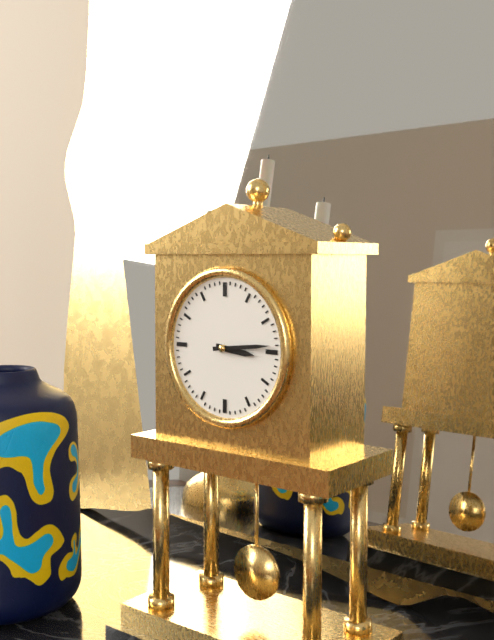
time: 3:14
